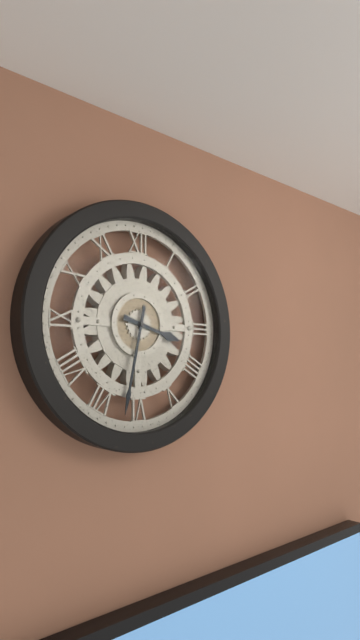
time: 3:32
